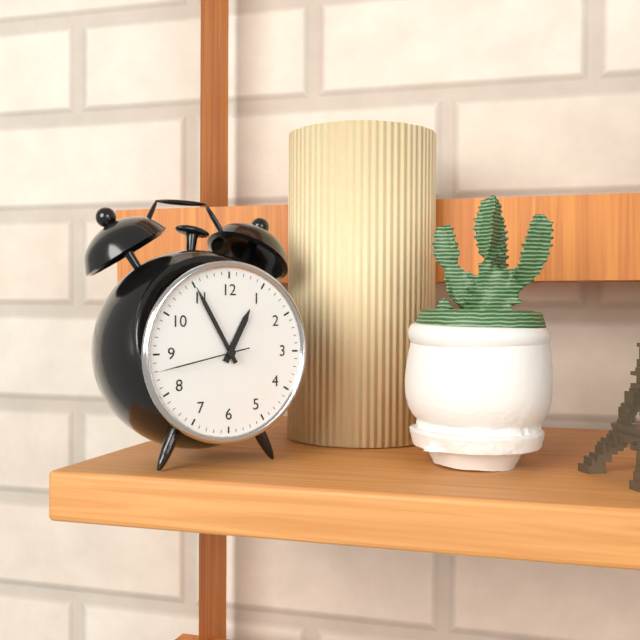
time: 12:55:43
